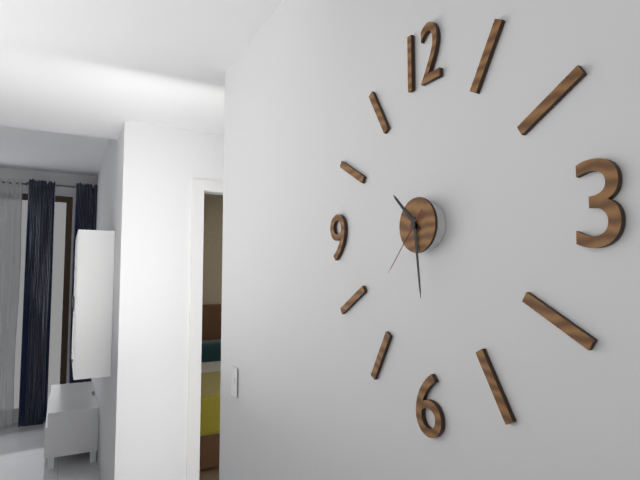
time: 10:29:37
